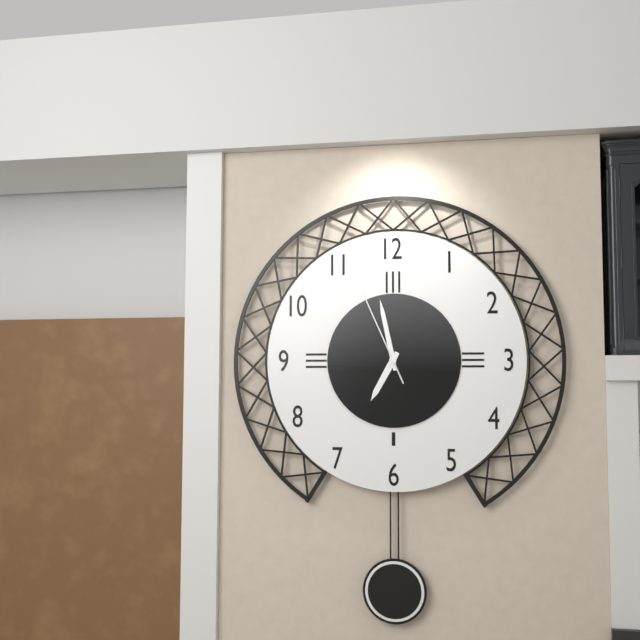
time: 6:58:56
